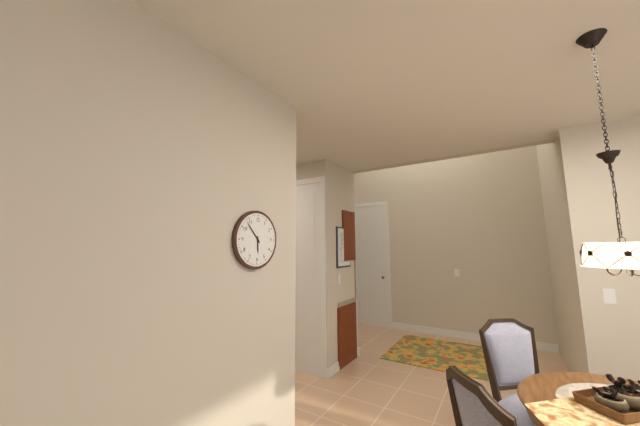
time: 5:53
